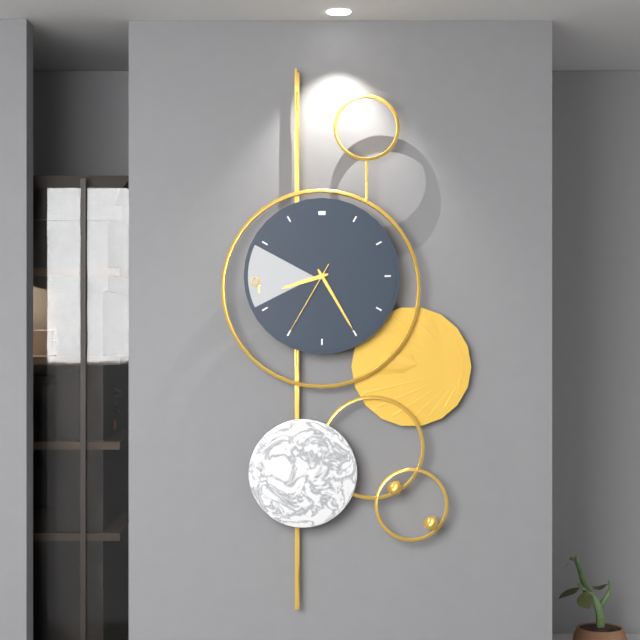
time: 8:25:35
